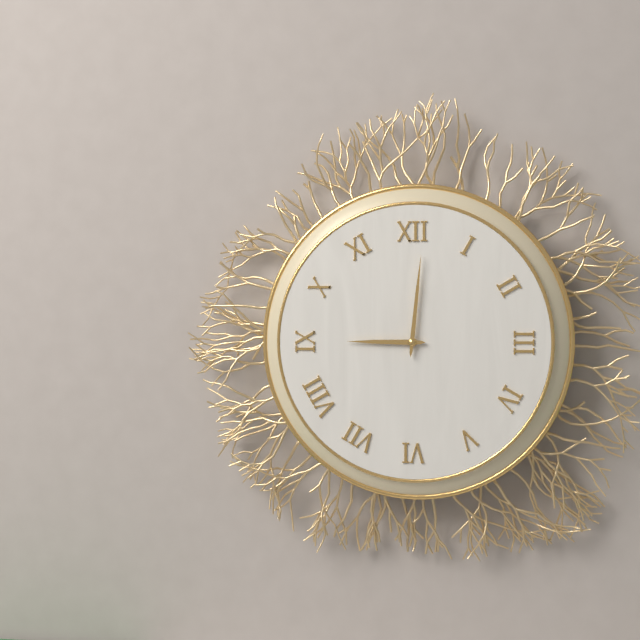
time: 9:01
